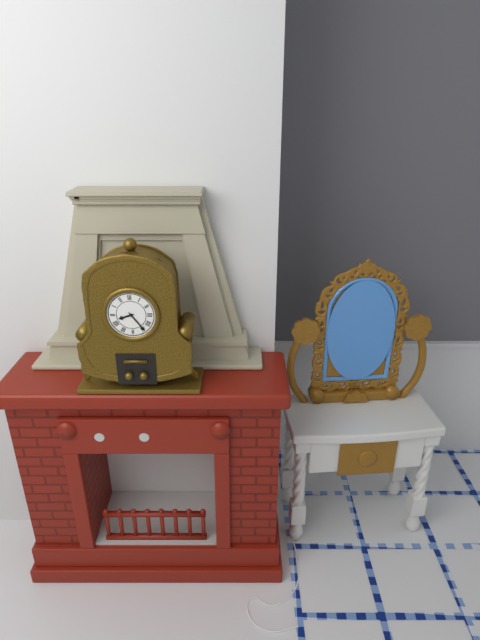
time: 8:24
